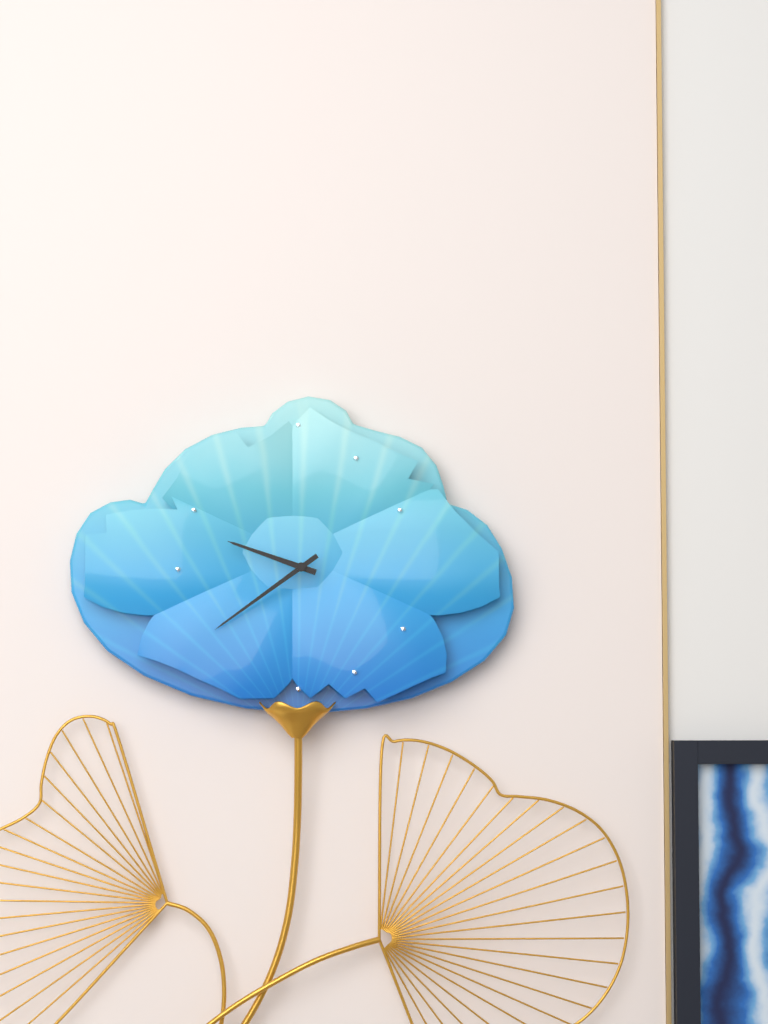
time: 9:39
